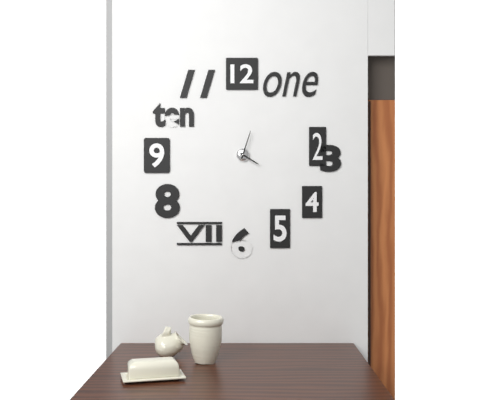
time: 4:03
